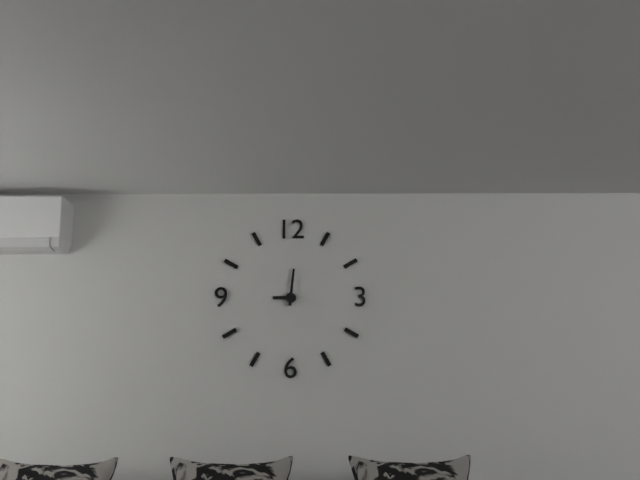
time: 9:01
